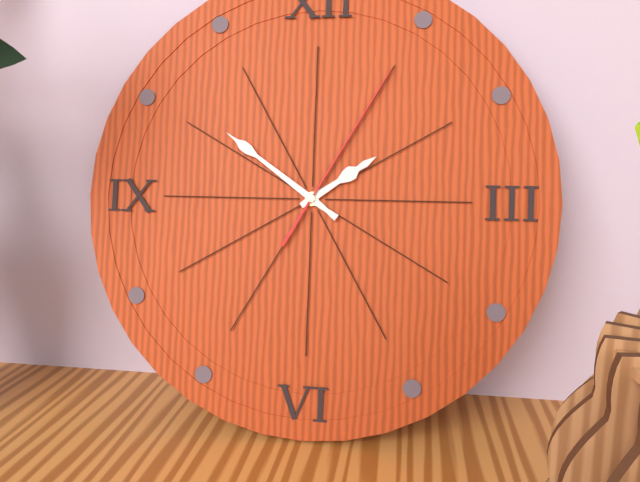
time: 1:51:05
